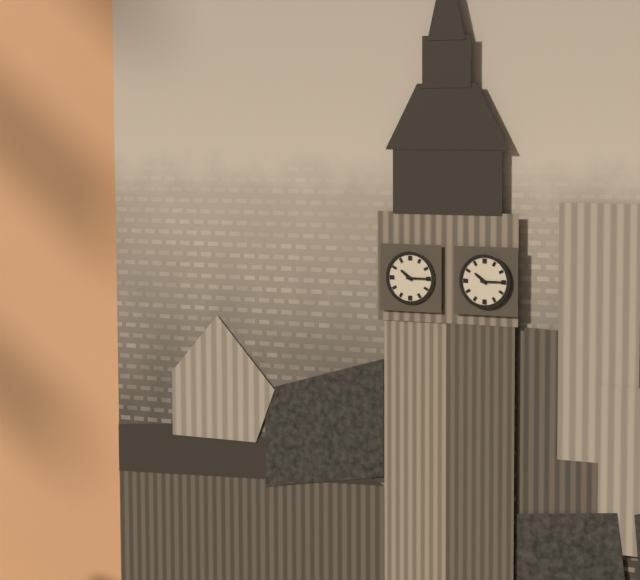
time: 10:15
